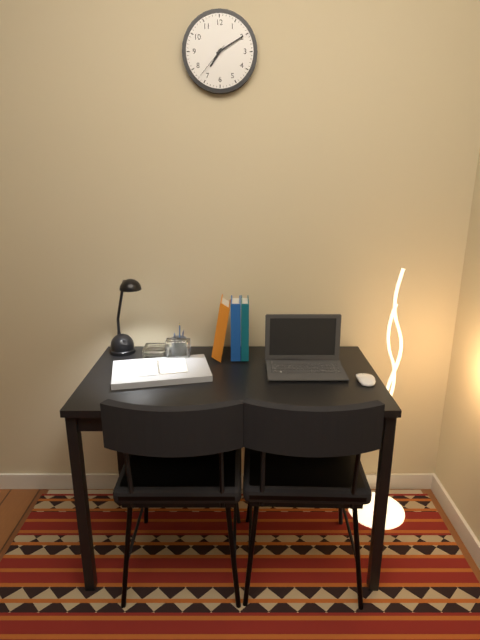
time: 7:10
